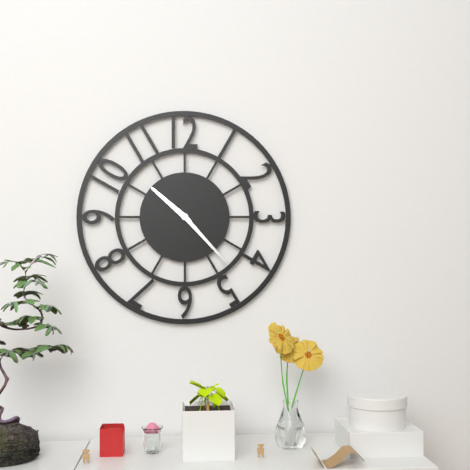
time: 10:23
